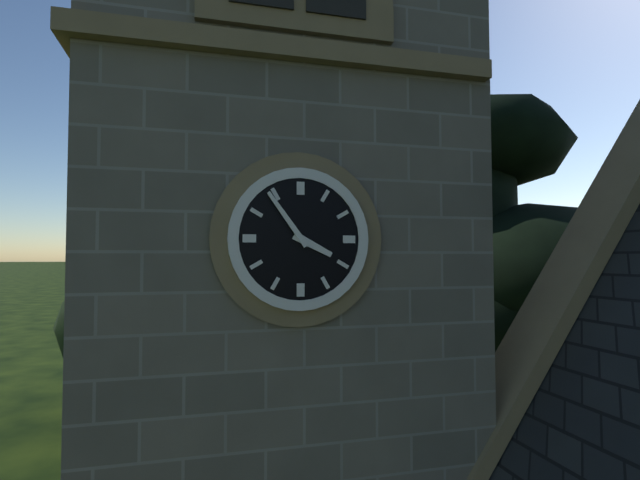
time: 3:54
